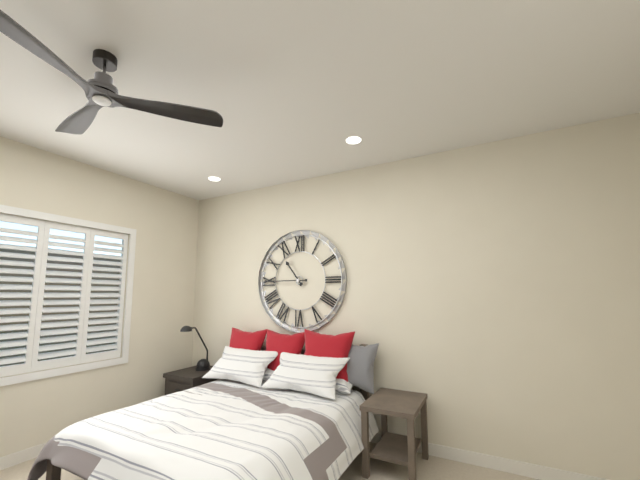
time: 10:45
